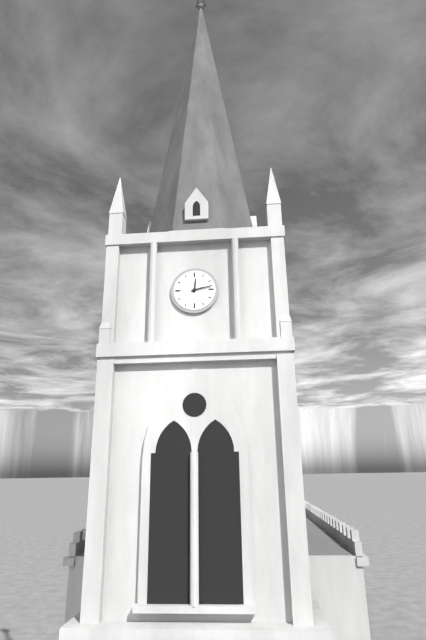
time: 12:13
